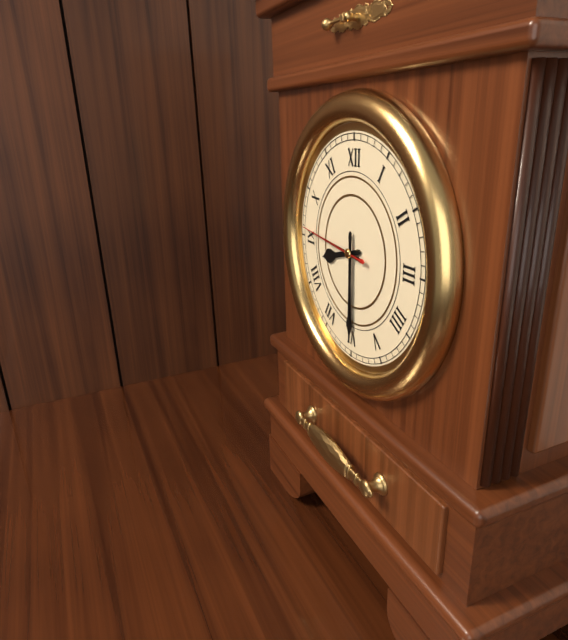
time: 8:30:46
